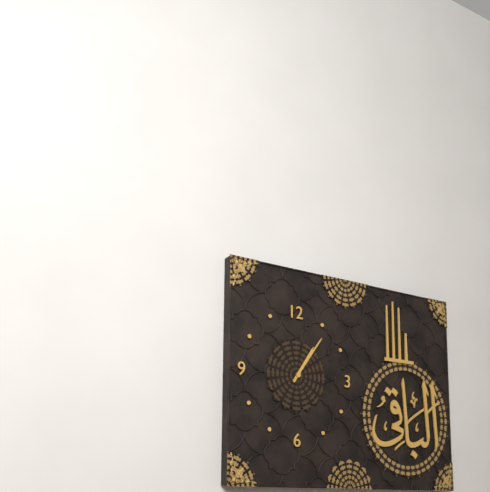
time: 1:06
